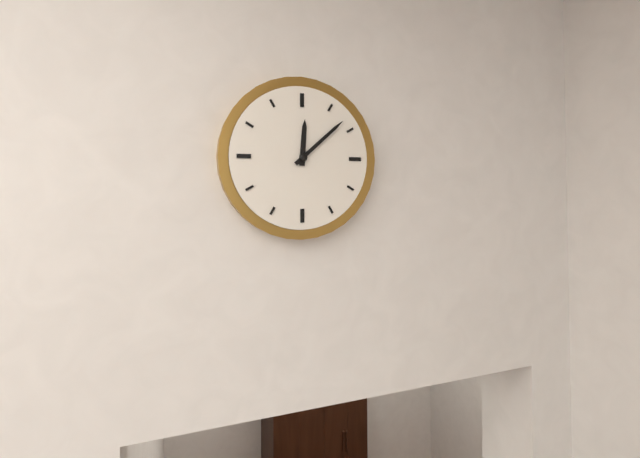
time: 12:08
